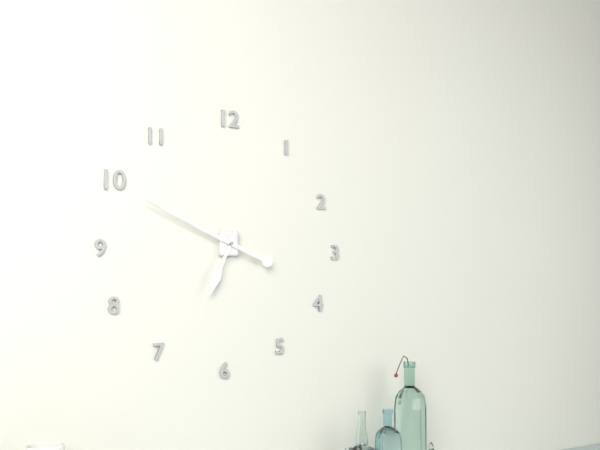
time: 6:49
